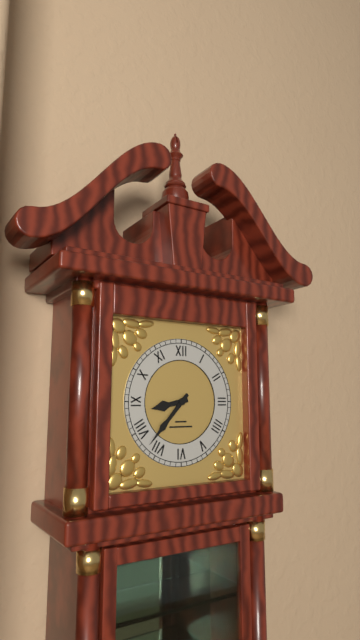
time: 8:37
